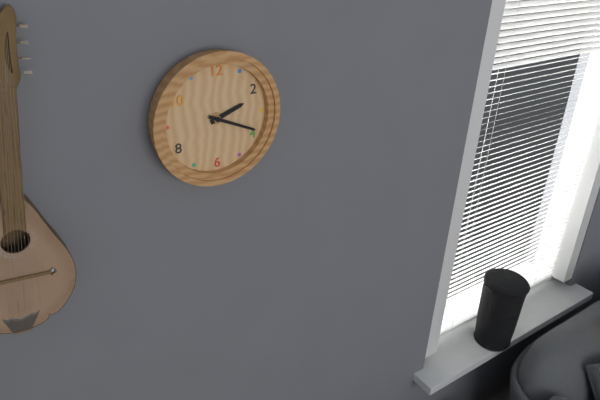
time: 2:19
